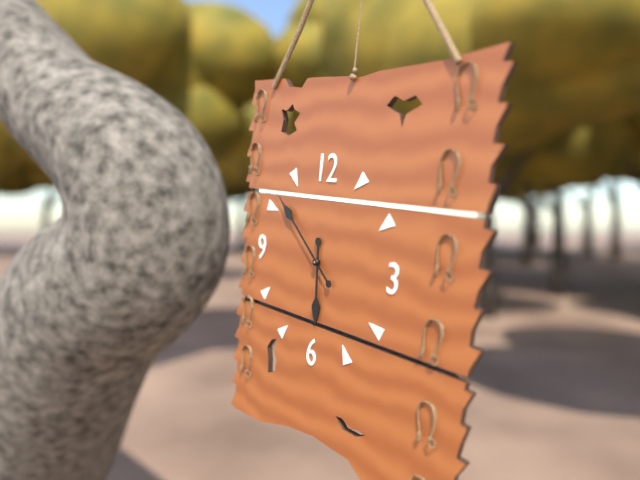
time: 5:52
